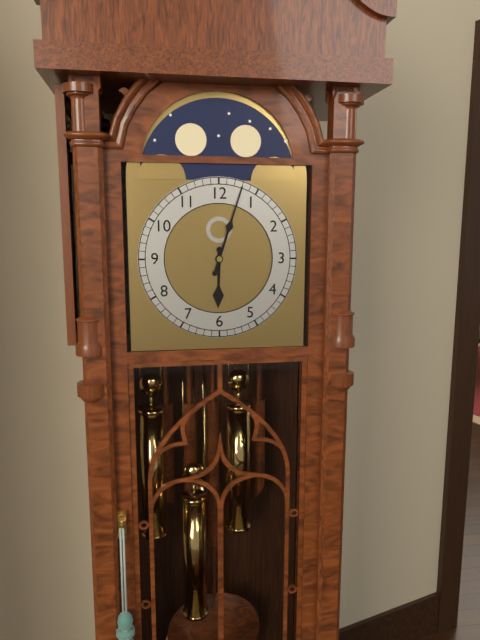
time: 6:03
